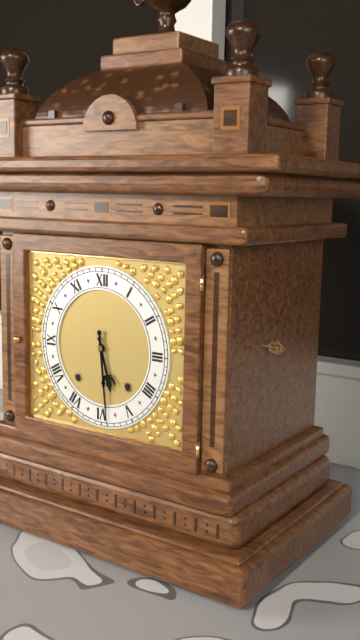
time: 5:29
